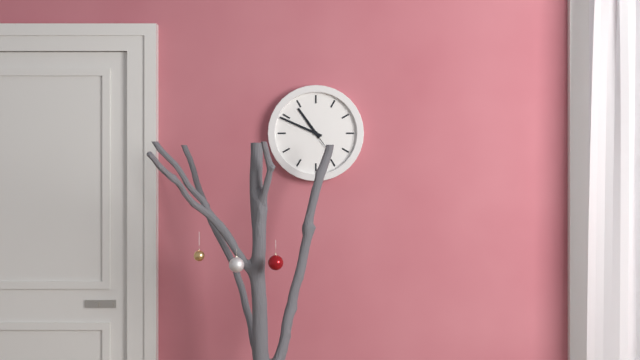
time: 10:49
